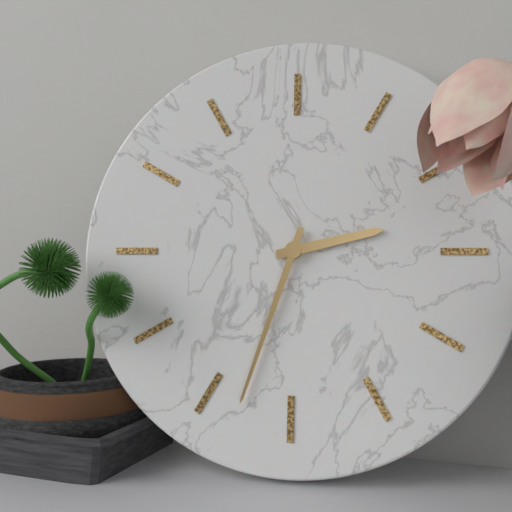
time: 2:33
